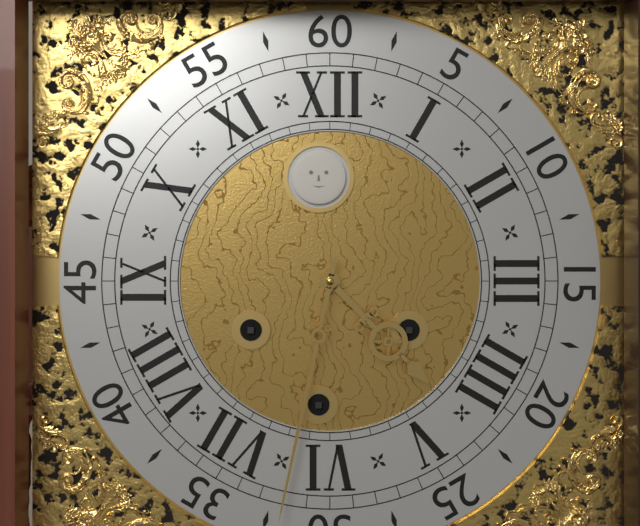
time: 4:32
